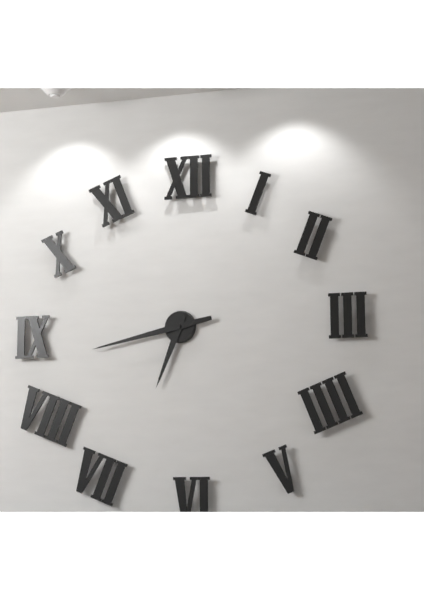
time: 6:43
